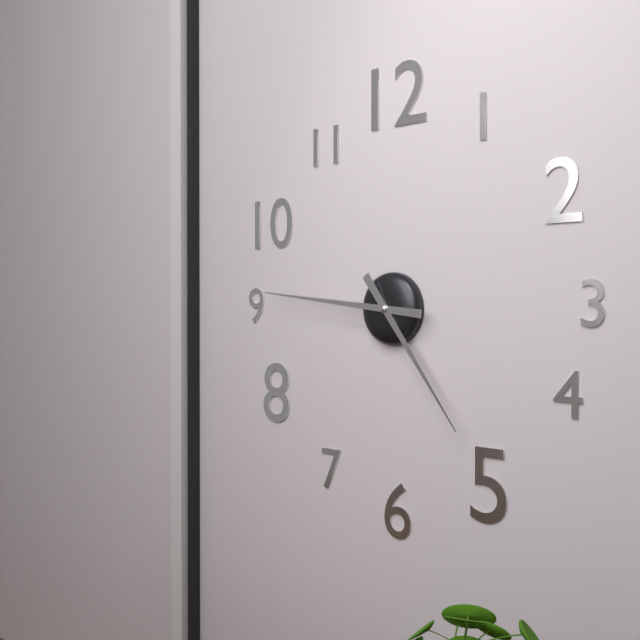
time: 4:46
